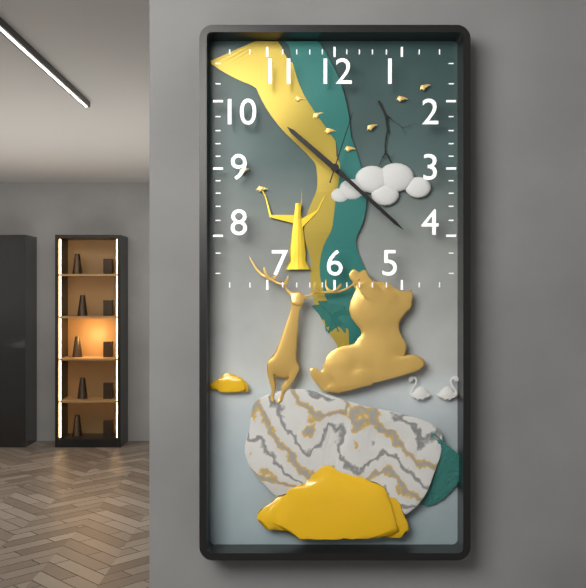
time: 10:22:03
